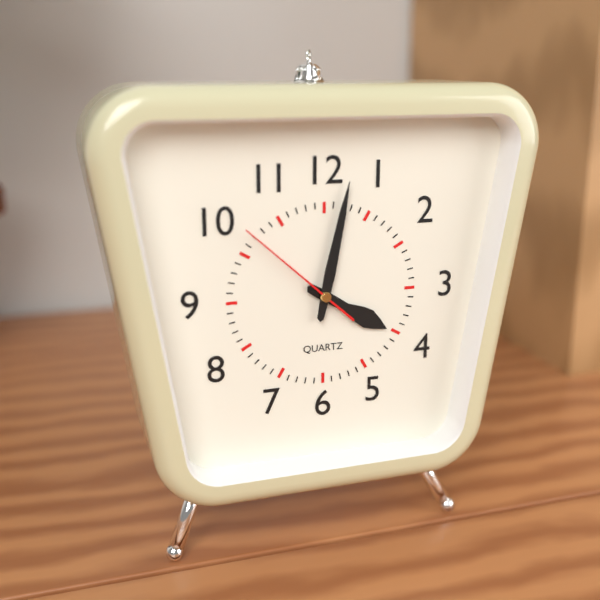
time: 4:02:52
